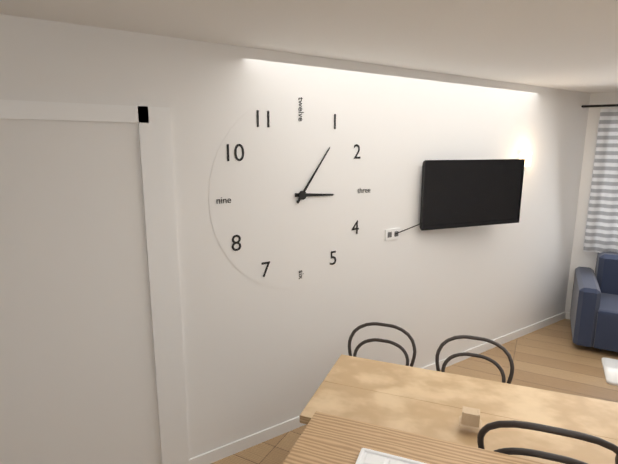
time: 3:06
